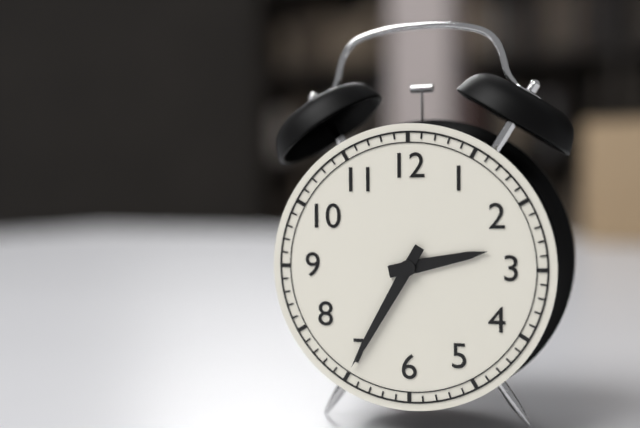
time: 2:35
